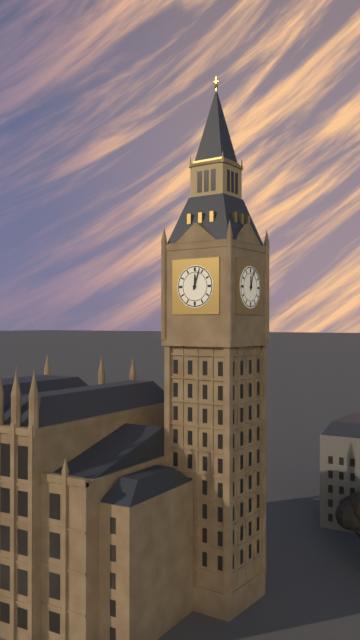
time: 12:03
